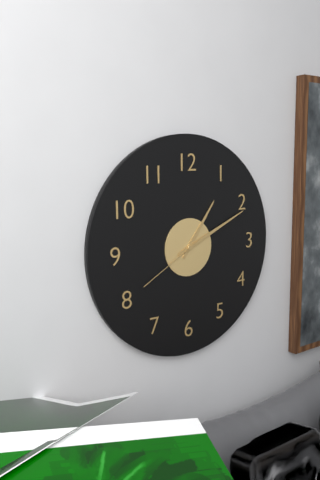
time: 1:11:40
